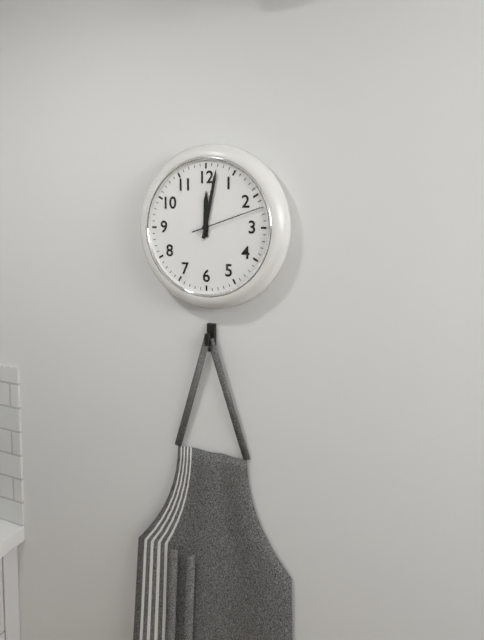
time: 12:02:12
